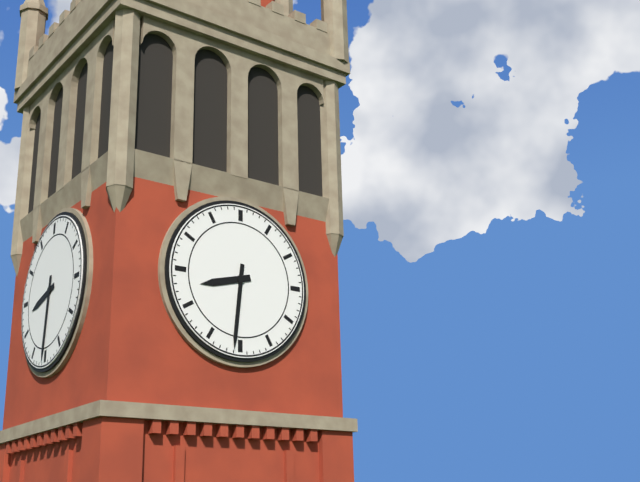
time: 8:31
